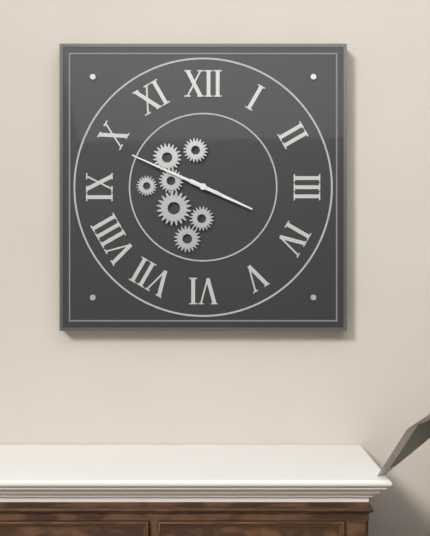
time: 3:49
